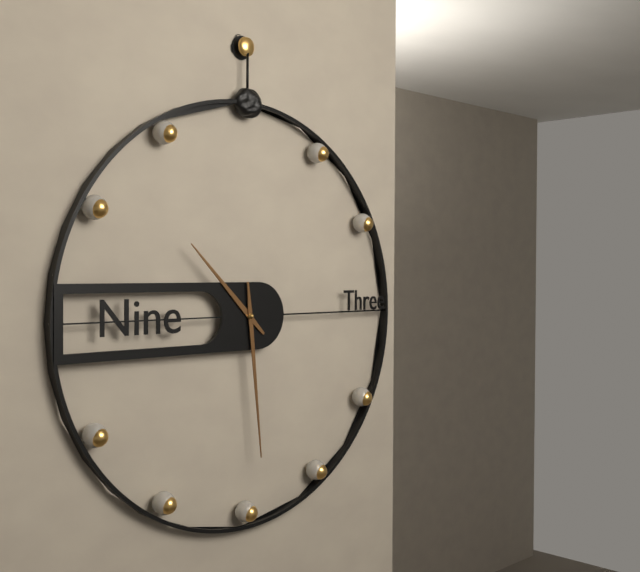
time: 10:29
